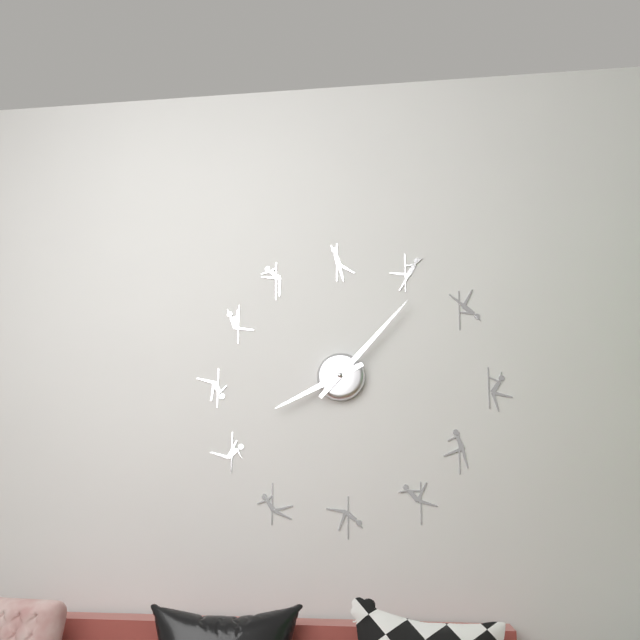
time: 8:07
